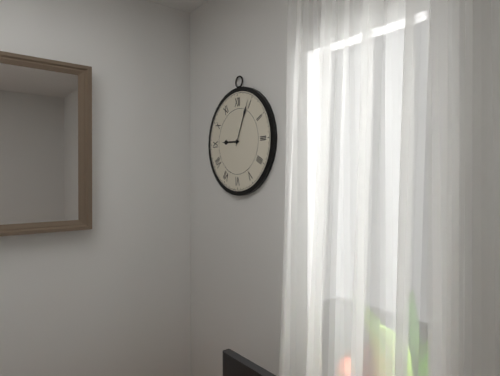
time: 9:04
